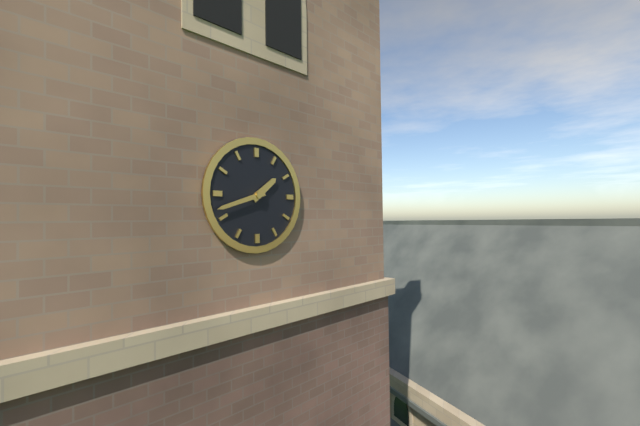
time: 1:42
